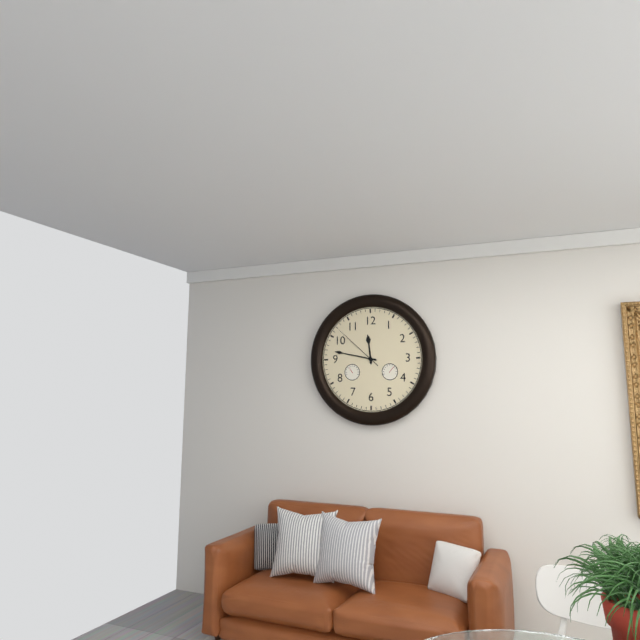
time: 11:47:52
